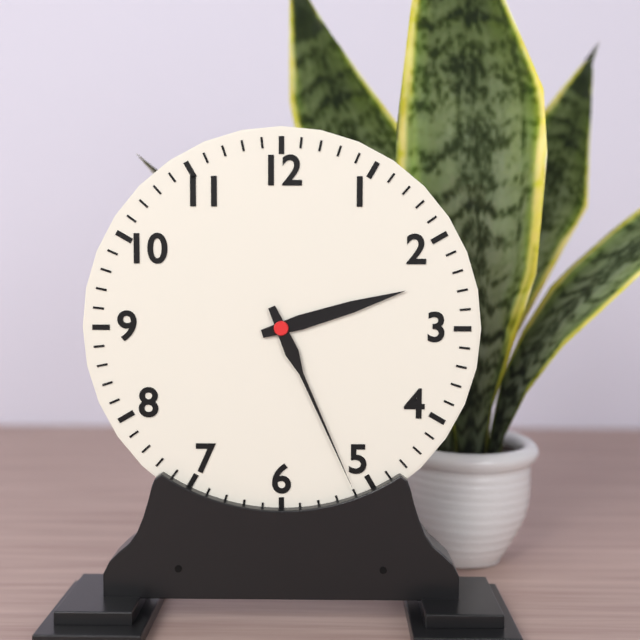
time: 2:26
